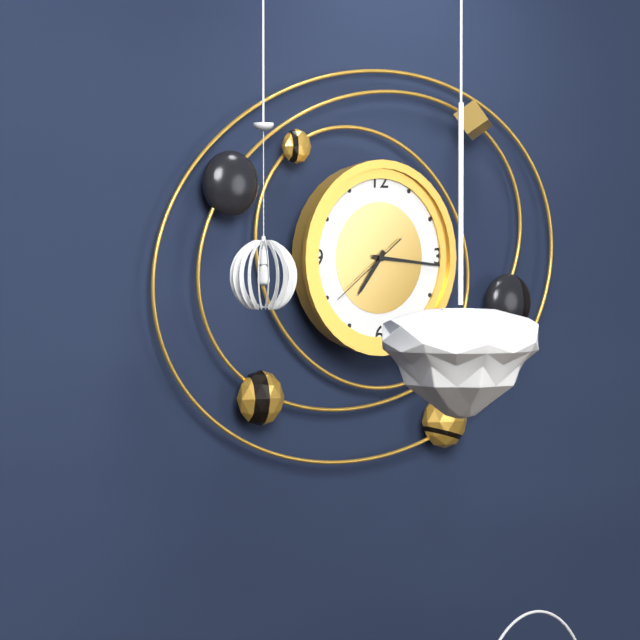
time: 7:16:39
